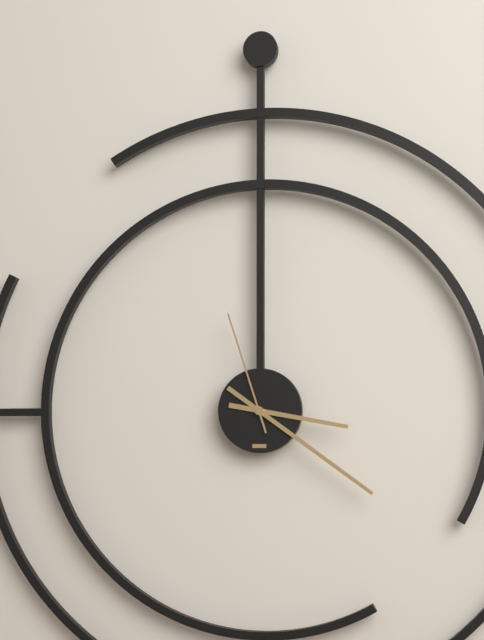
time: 3:21:57
